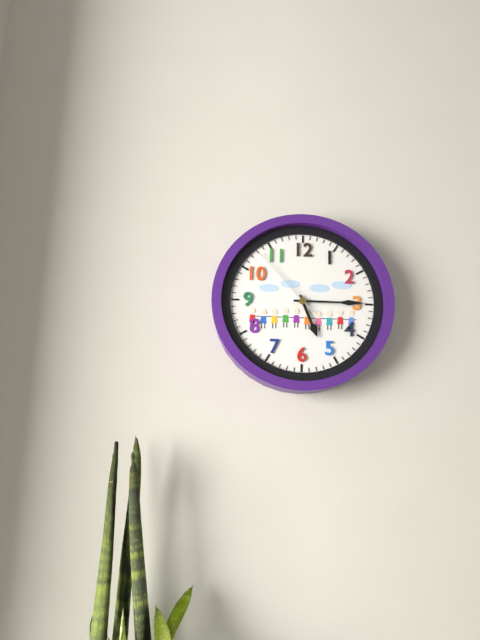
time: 5:15:53
